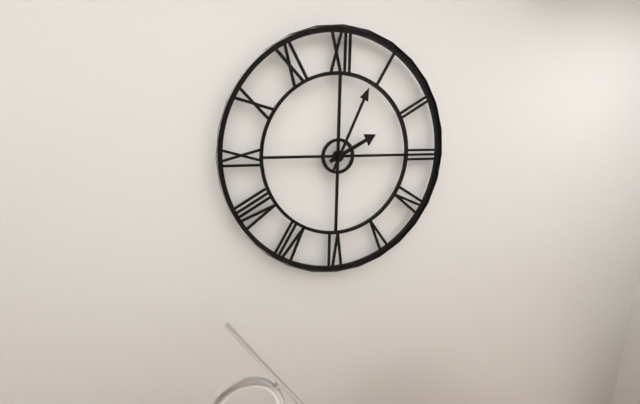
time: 2:04
